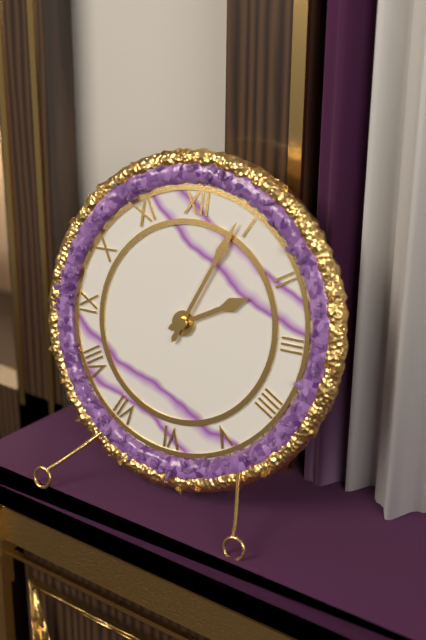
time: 2:04
